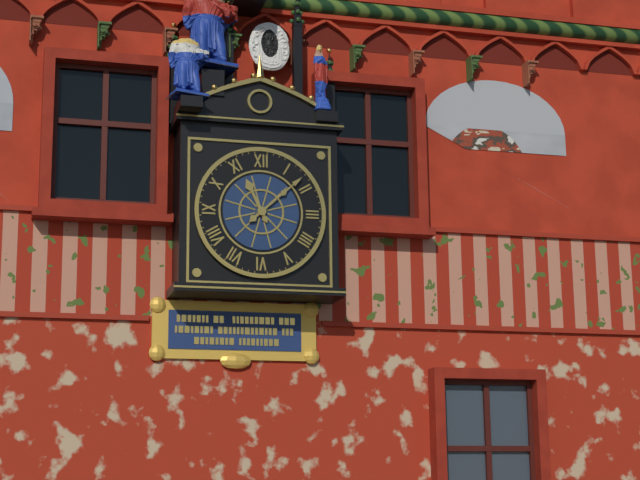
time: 11:08
